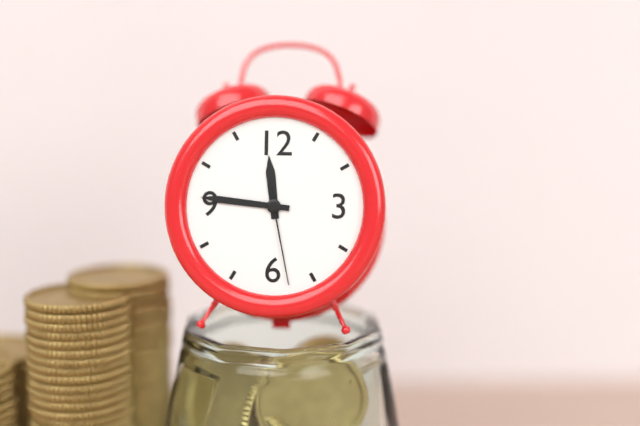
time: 11:46:28
